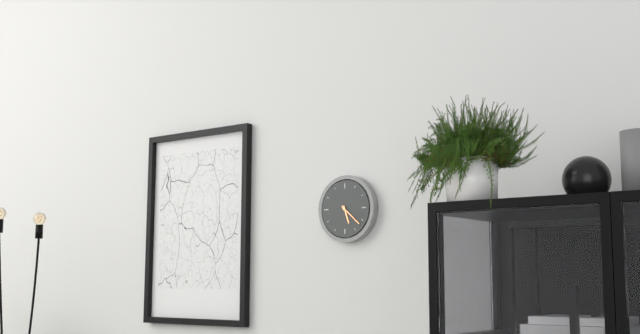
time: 5:22
